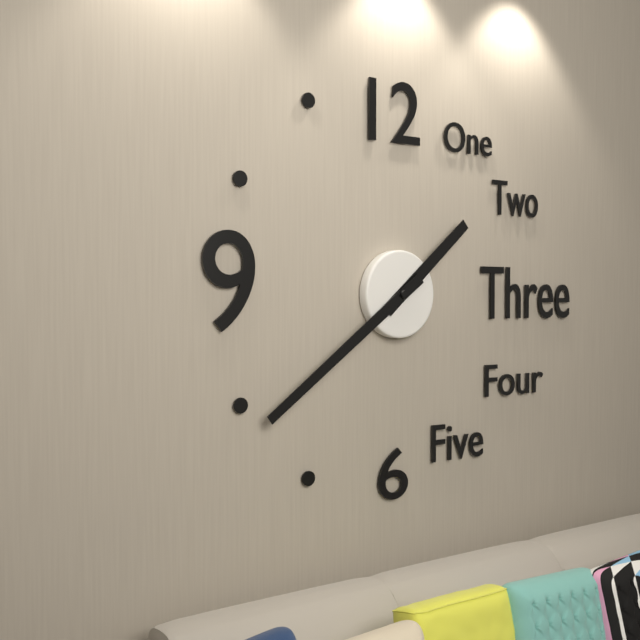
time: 1:39
